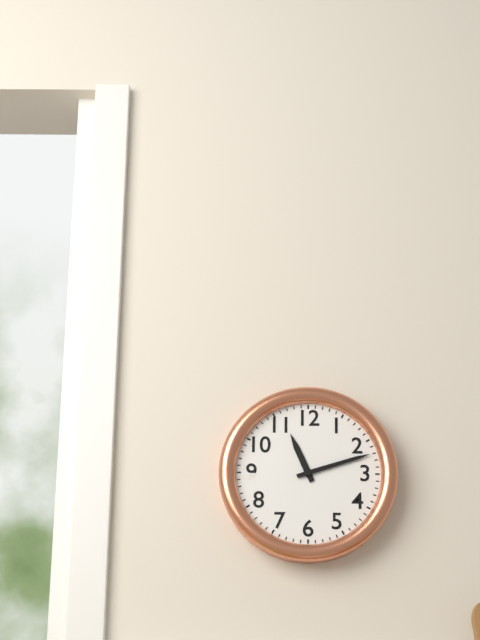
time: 11:12
